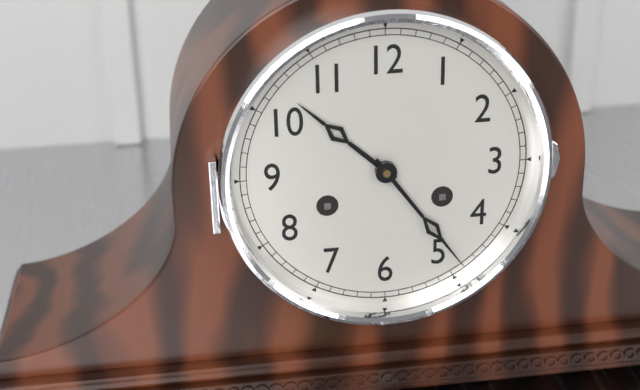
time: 10:24
